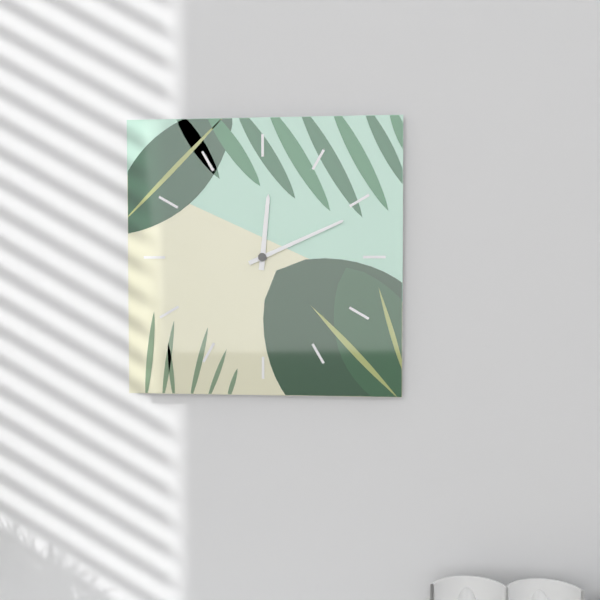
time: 12:11
